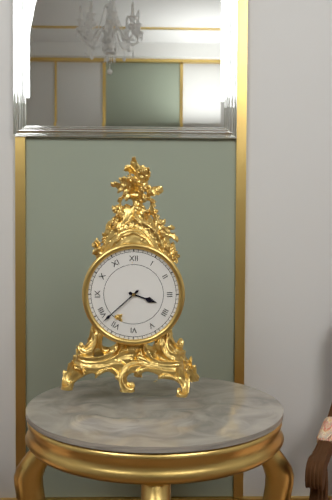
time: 3:38
